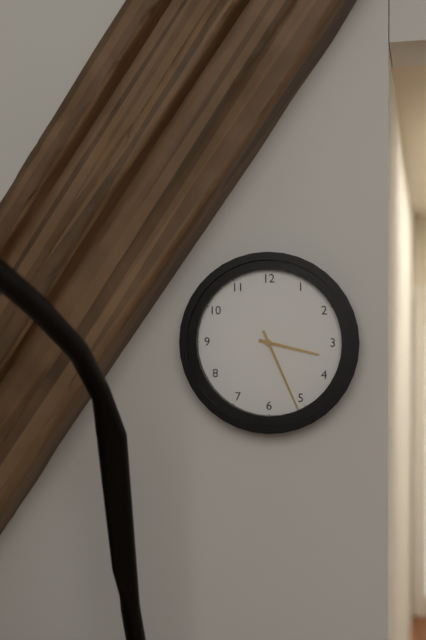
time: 3:26
